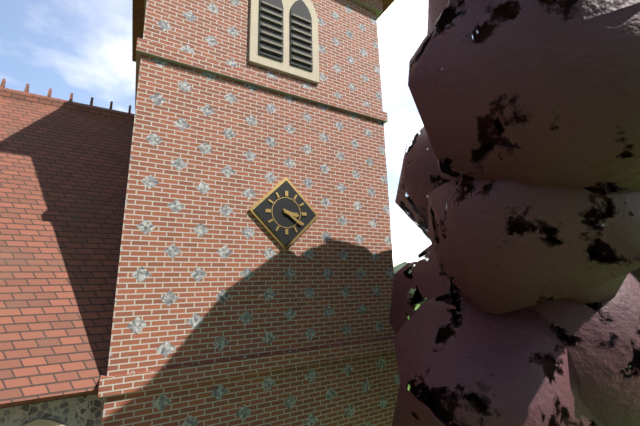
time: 3:21
